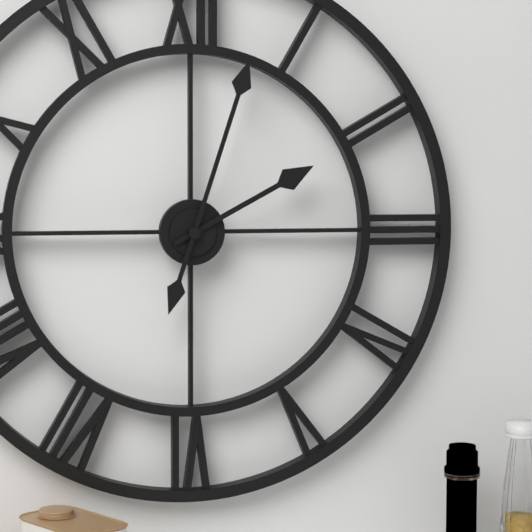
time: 2:03
